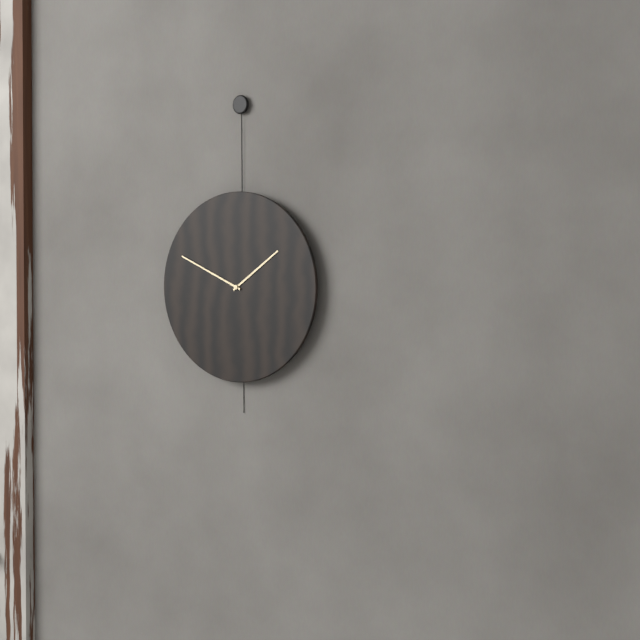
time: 1:49
